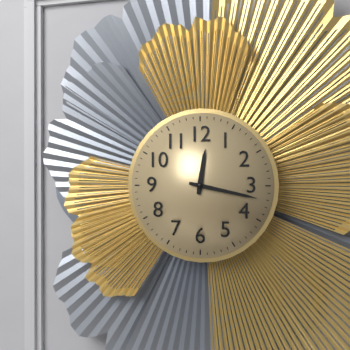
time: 12:17
